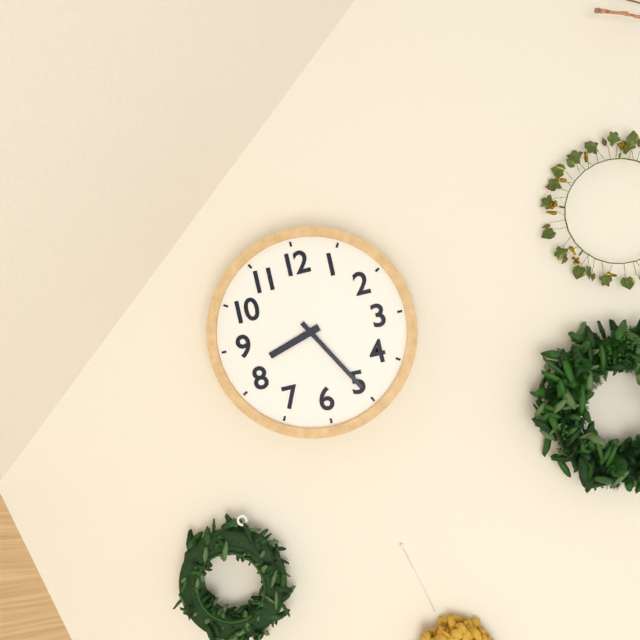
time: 8:25
